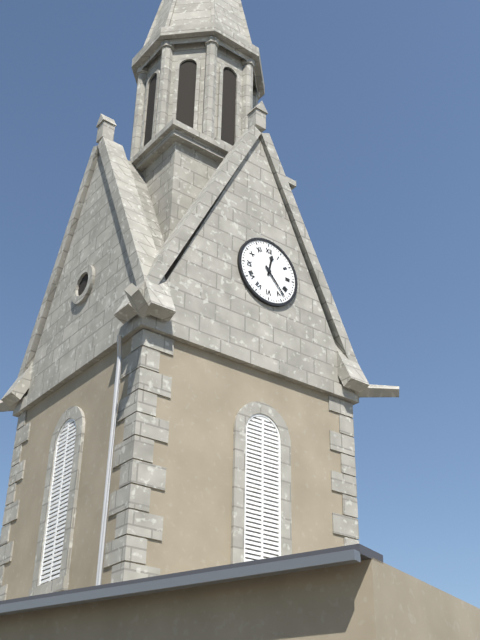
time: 12:23
